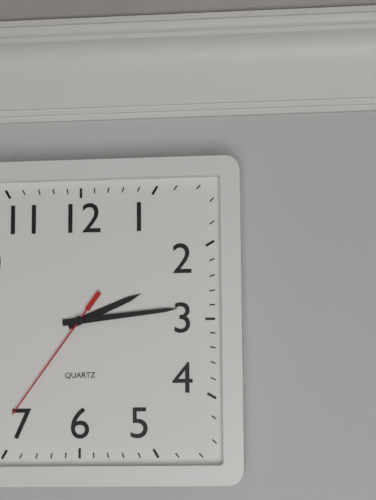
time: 2:14:36
